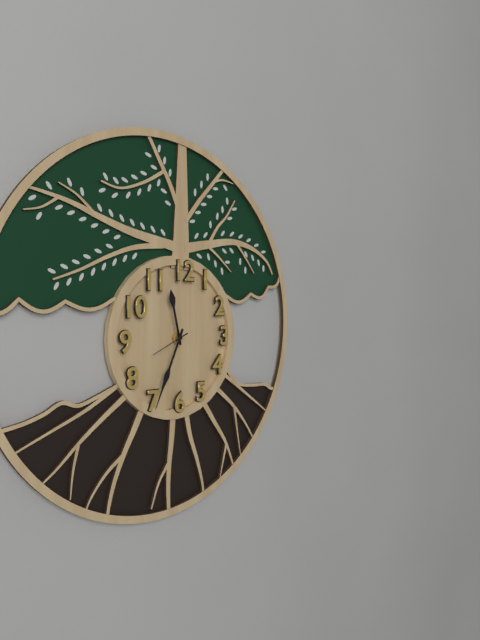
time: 11:34
